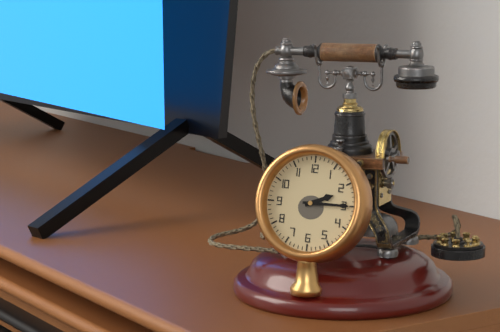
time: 2:15
